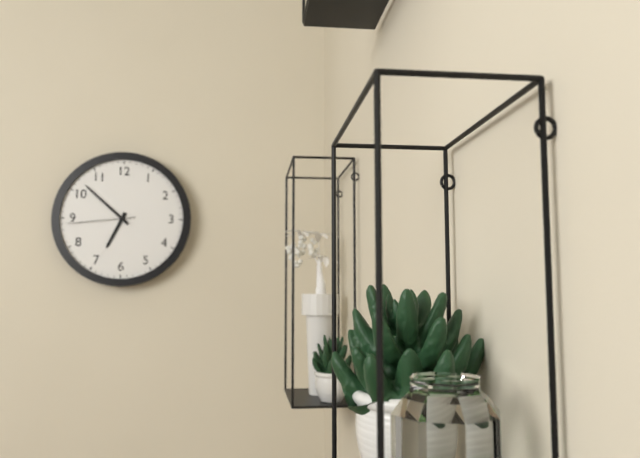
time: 6:52:44
